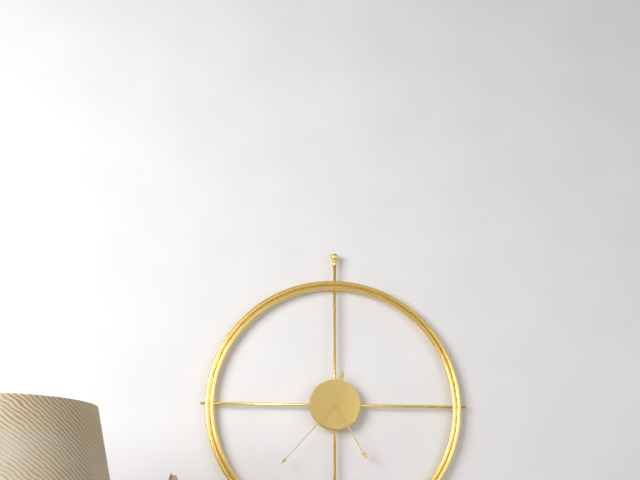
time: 12:25:37
